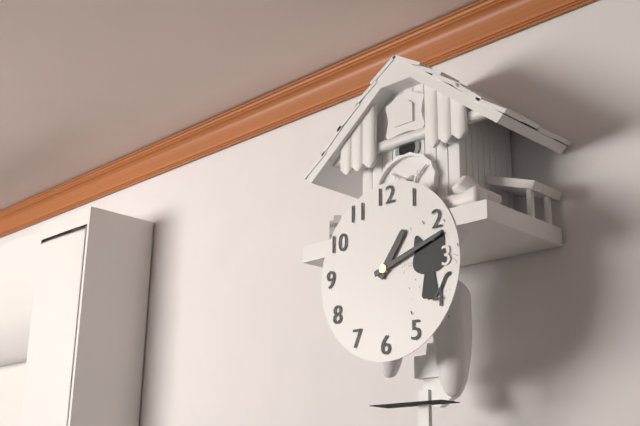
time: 1:12
